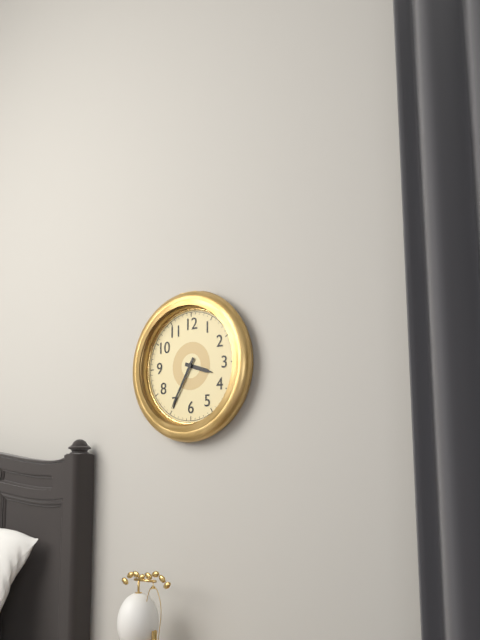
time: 3:35
